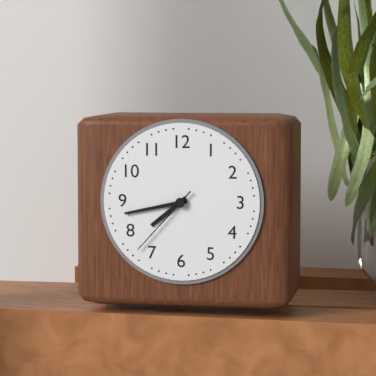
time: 7:43:37
